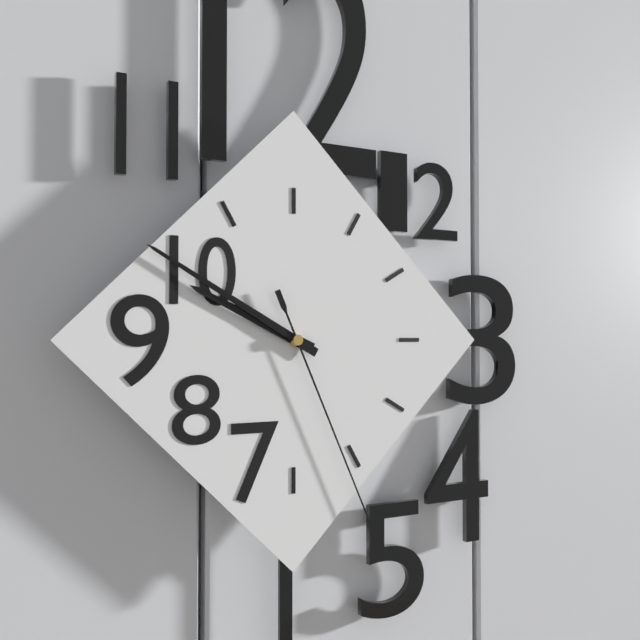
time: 9:50:26
